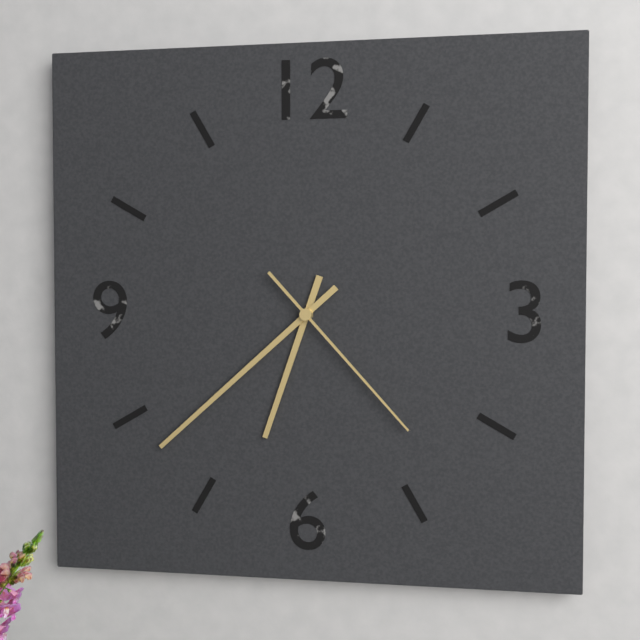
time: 6:38:23
